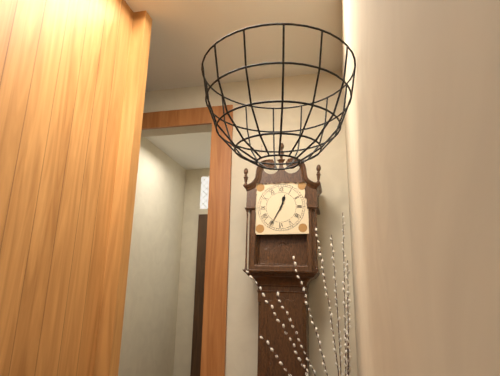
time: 12:35
